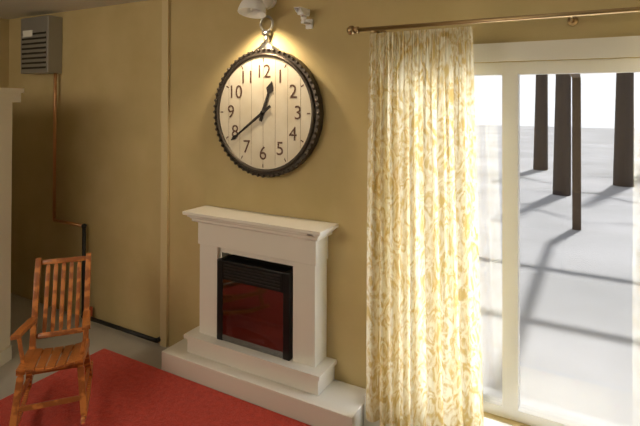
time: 12:39
